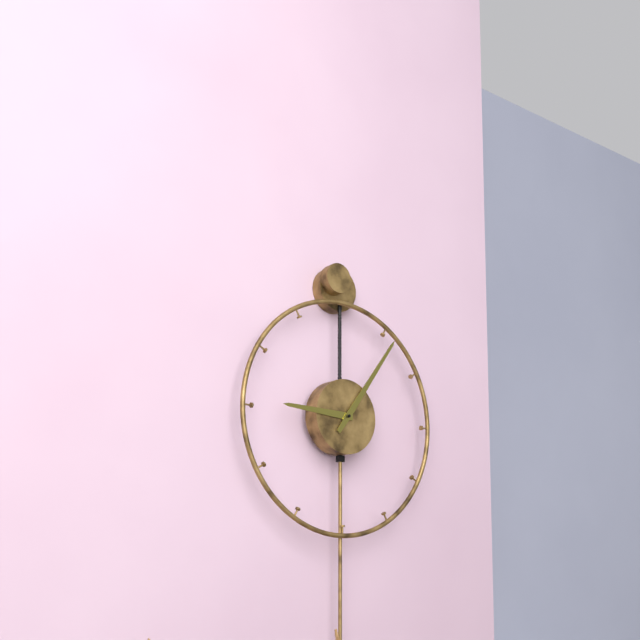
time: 9:06
